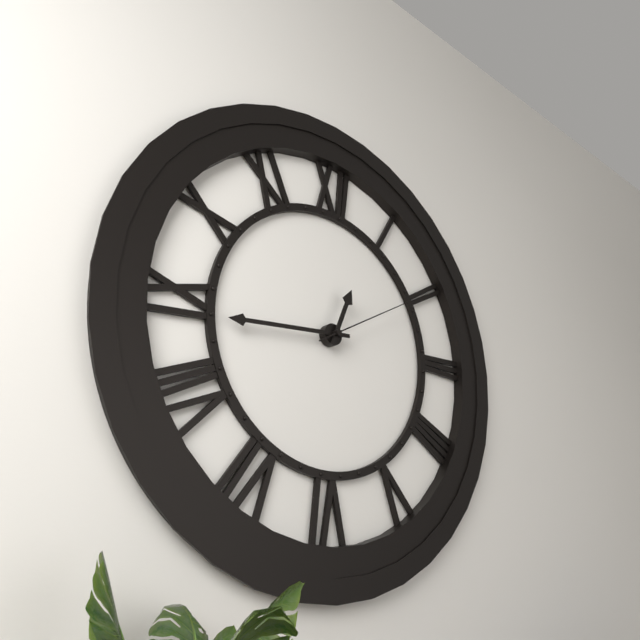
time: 12:44:10
